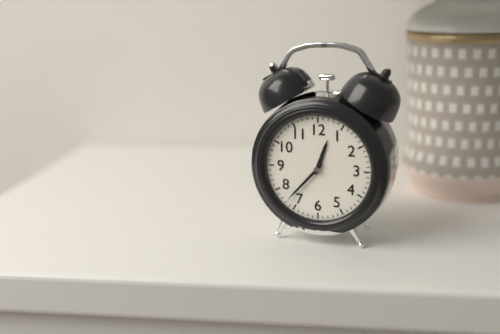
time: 12:37
